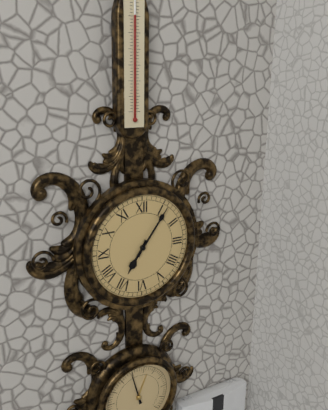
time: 7:06
